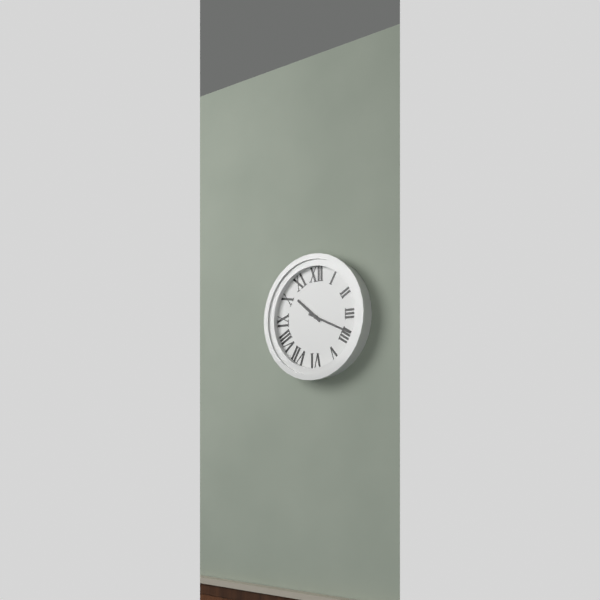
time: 10:19
